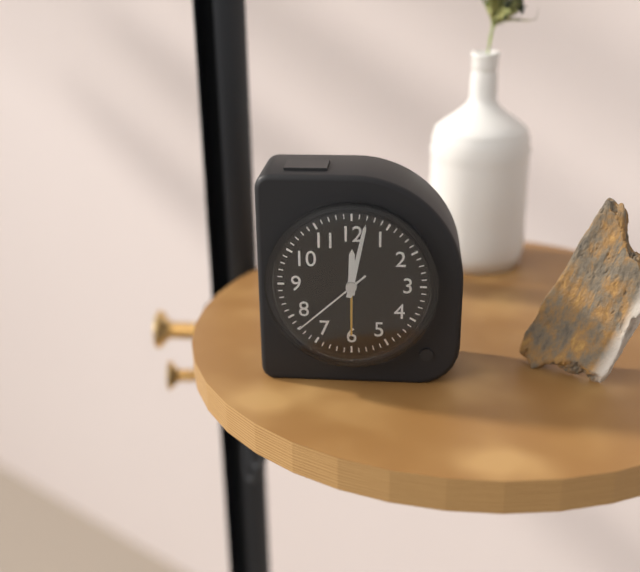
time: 12:02:38
